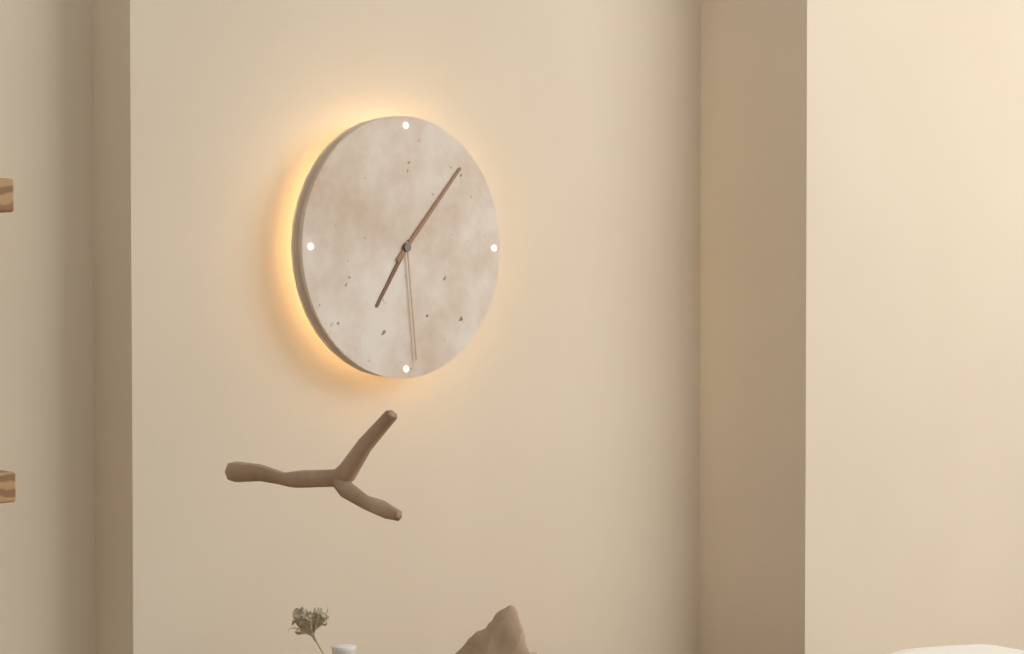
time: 7:07:29
